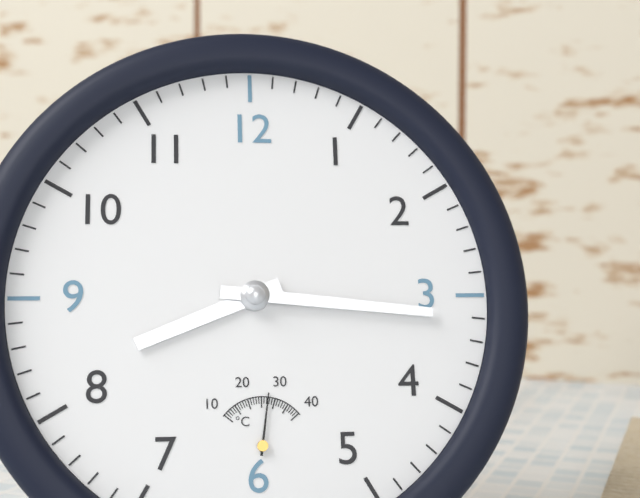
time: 8:16
